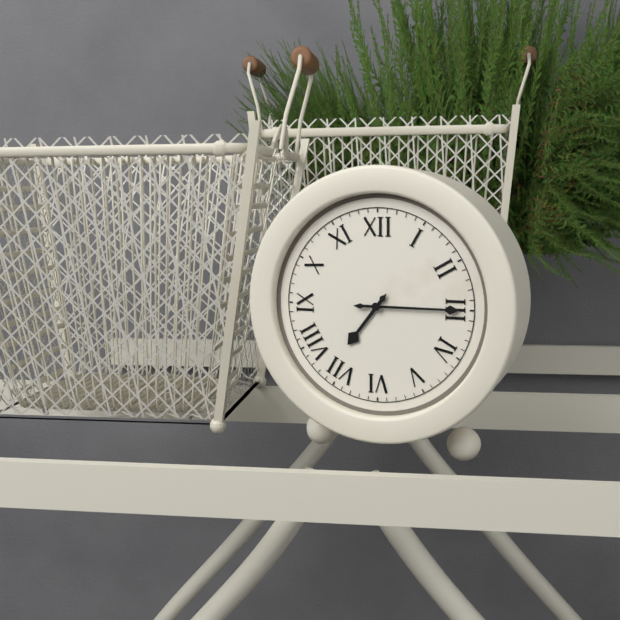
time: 7:15
